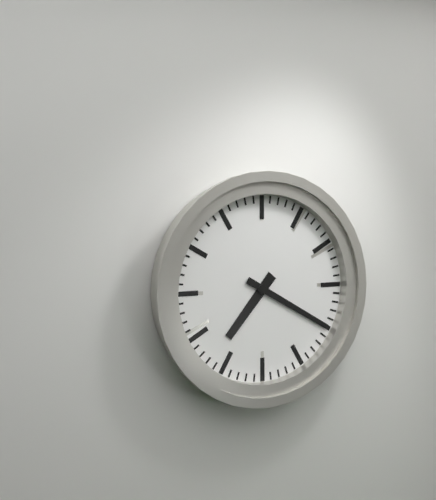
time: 7:20
